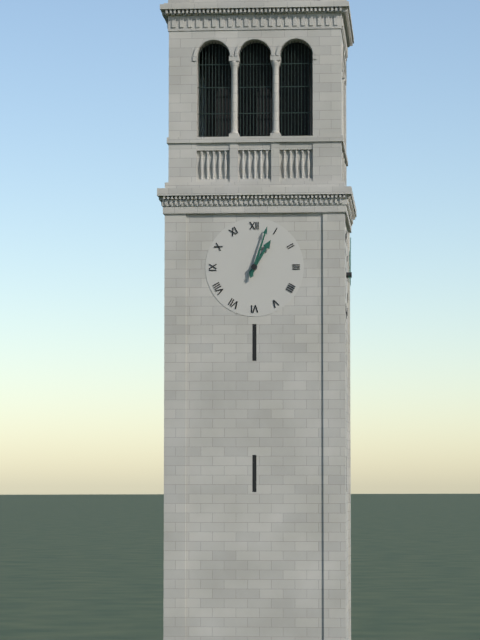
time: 1:03
